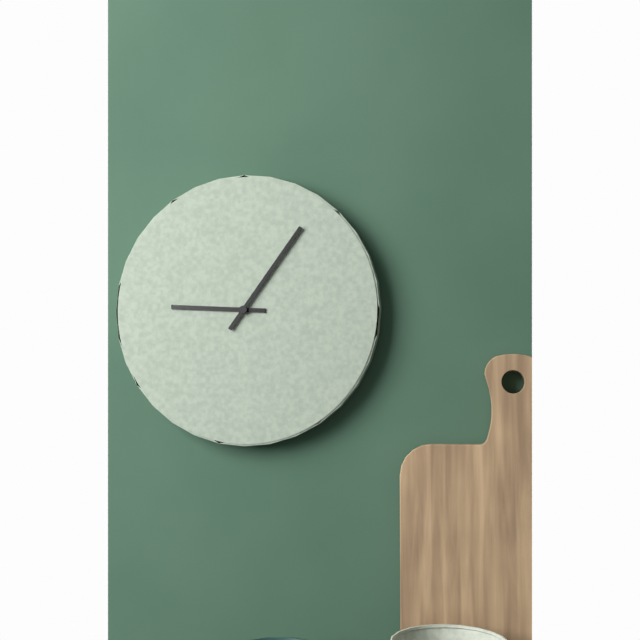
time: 9:06
